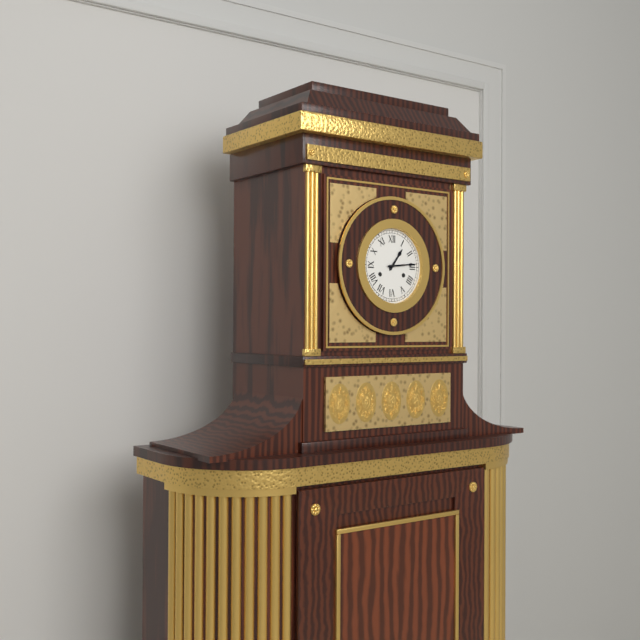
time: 1:14
